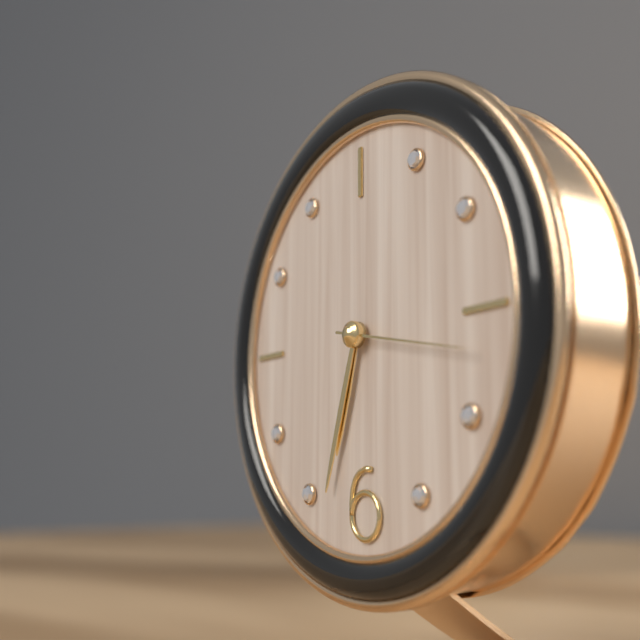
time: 6:33:17
